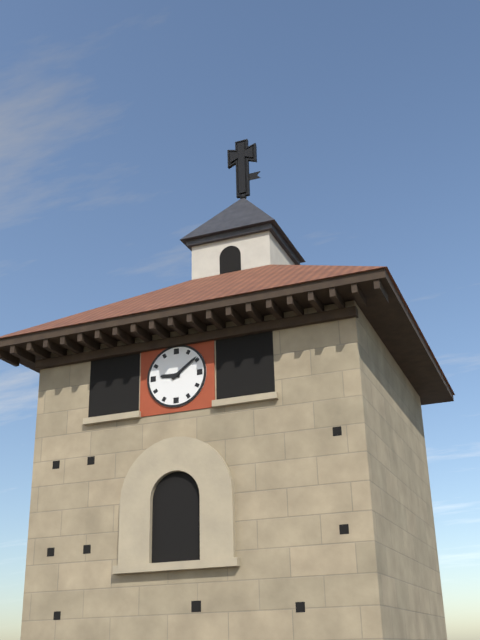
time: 9:09
